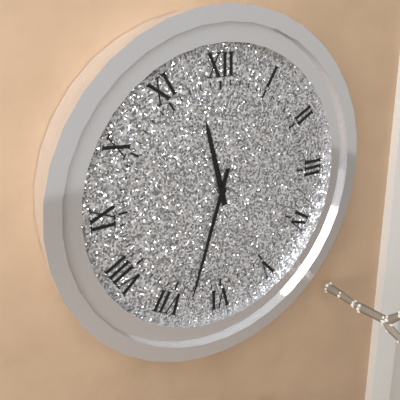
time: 11:33
